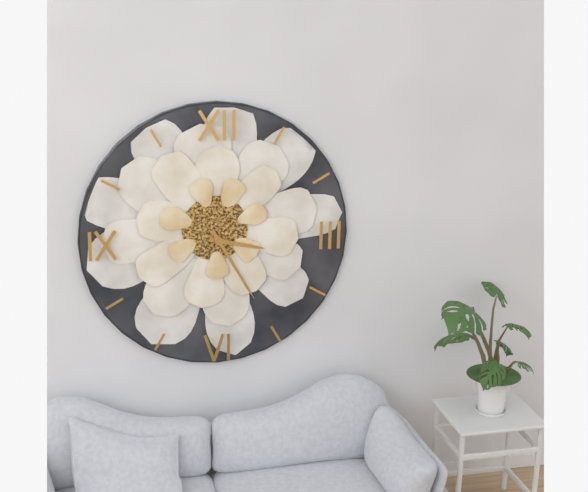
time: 3:25
